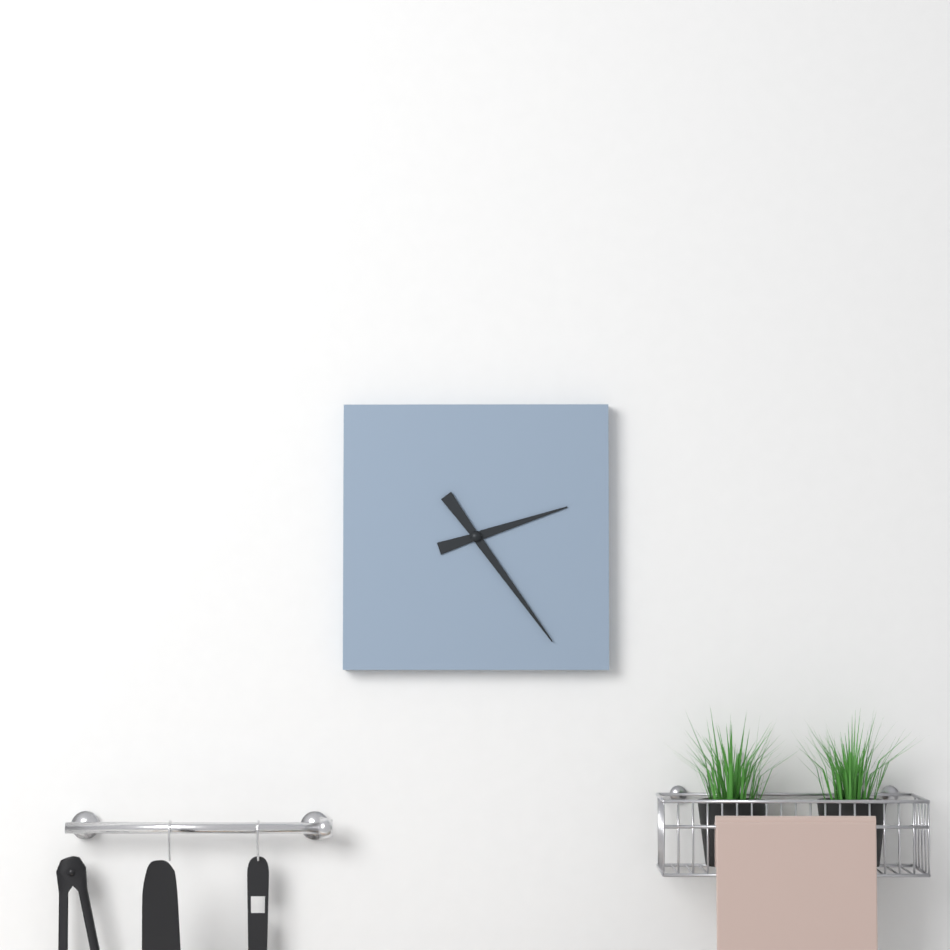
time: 2:24
